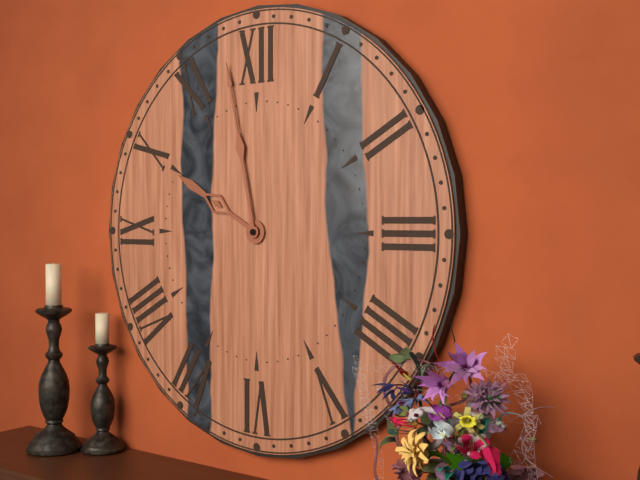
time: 9:58
